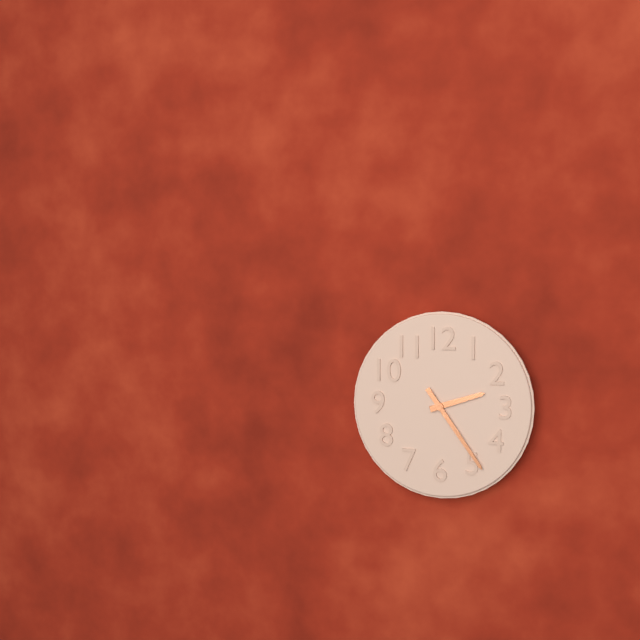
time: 2:24
